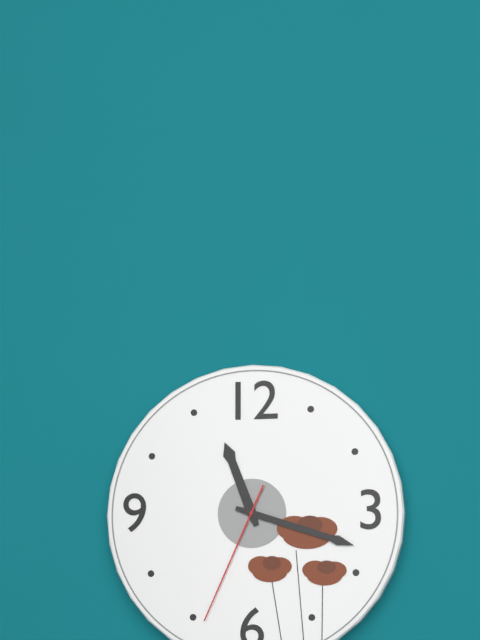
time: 11:18:34
